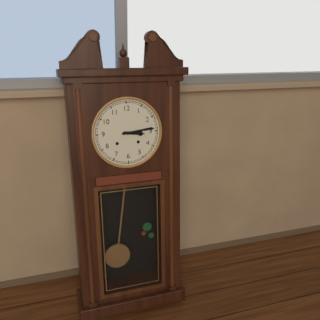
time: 3:14
